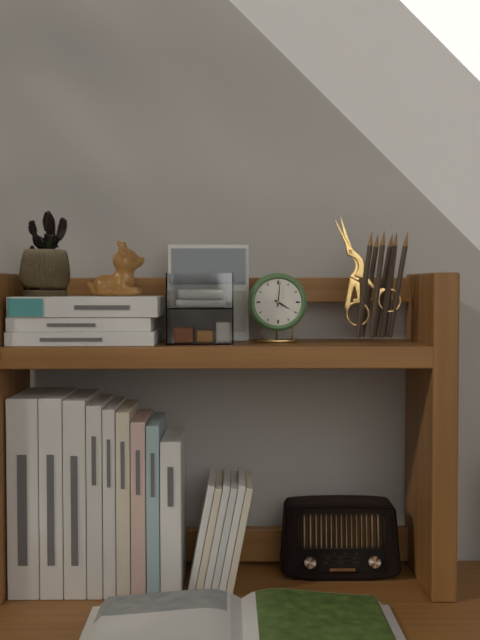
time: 4:01
